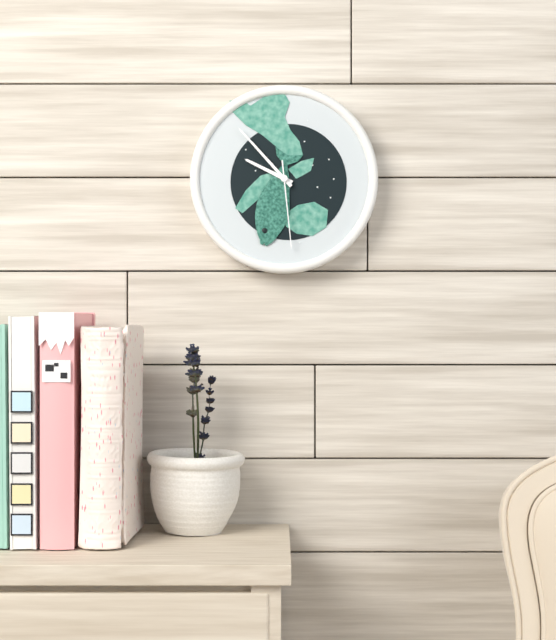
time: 9:53:29
